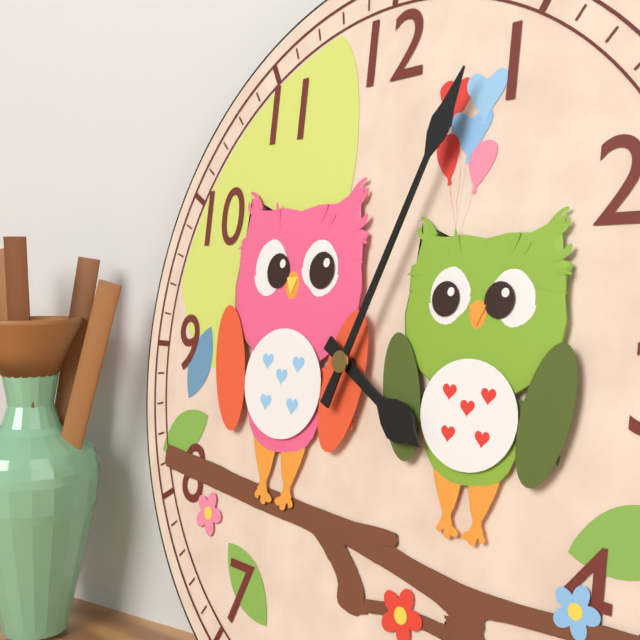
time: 4:04
